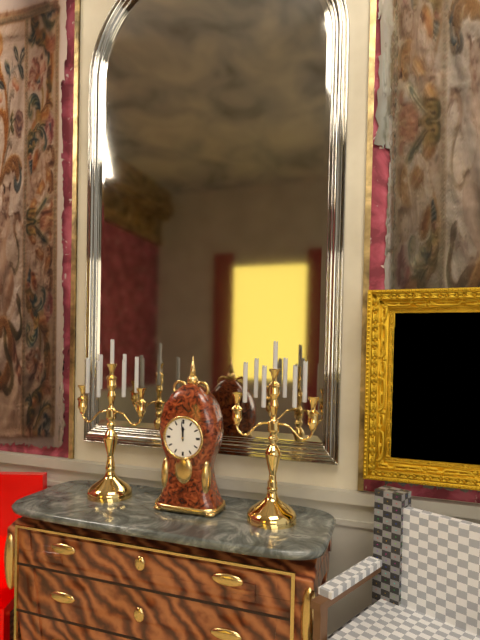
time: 11:59
